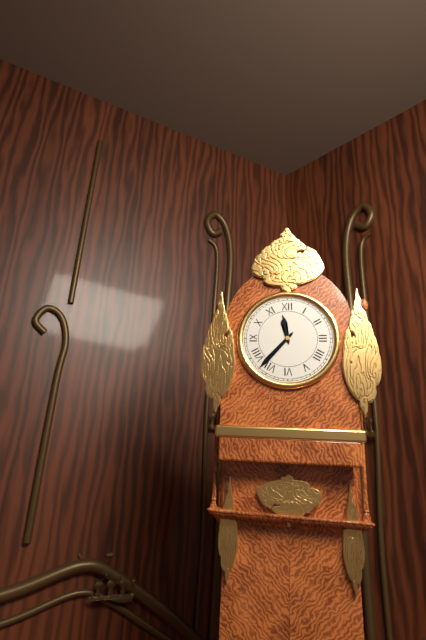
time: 11:37
